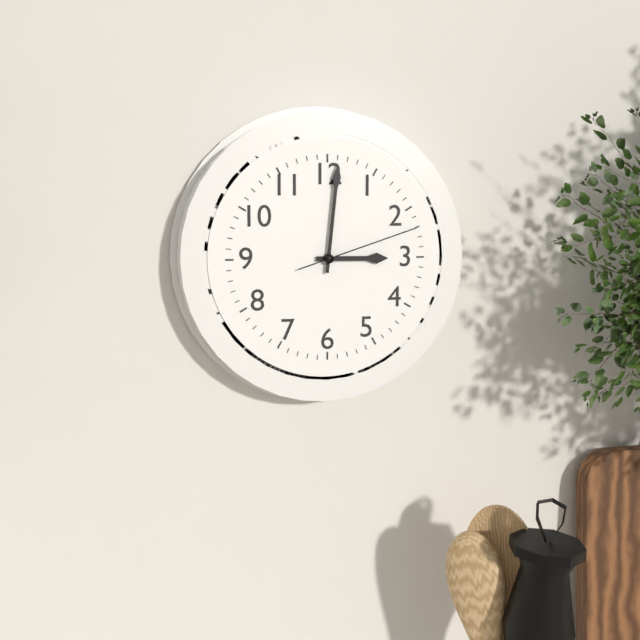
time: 3:01:12
